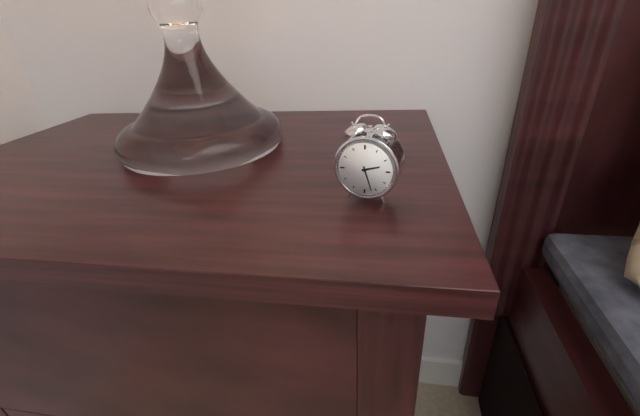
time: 2:27
